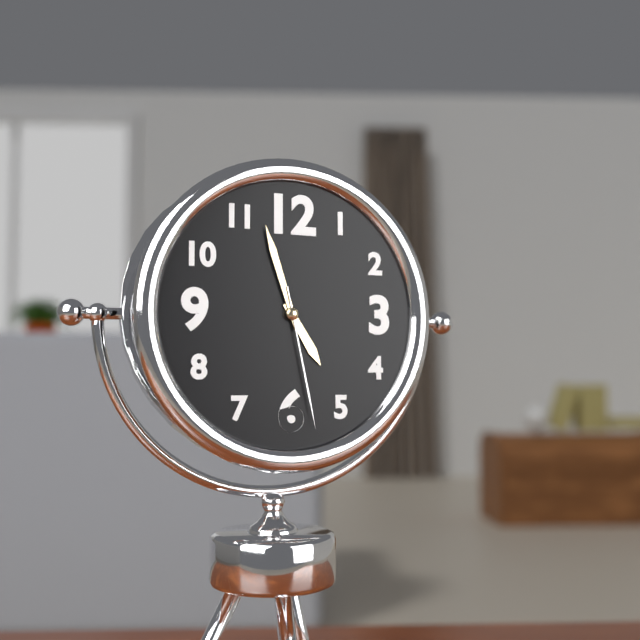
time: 4:57:28
